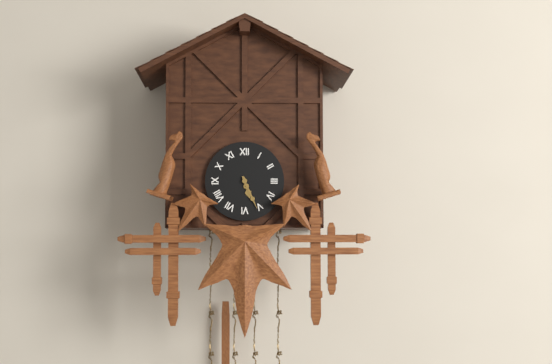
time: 5:26
